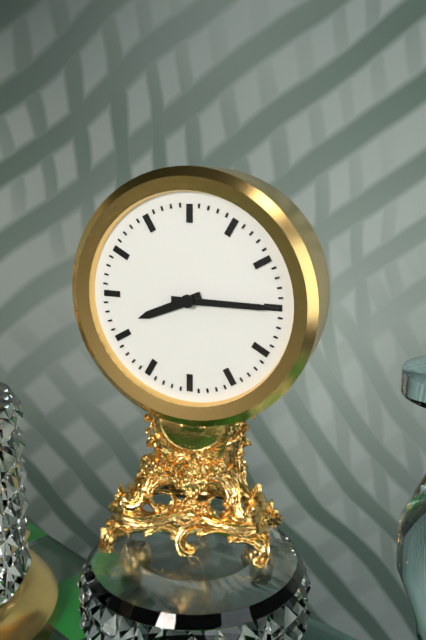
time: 8:15
